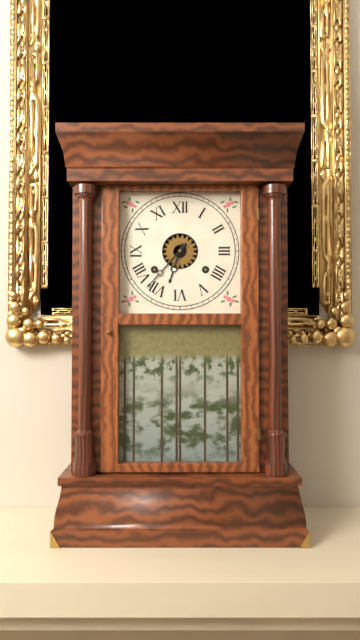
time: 6:37
